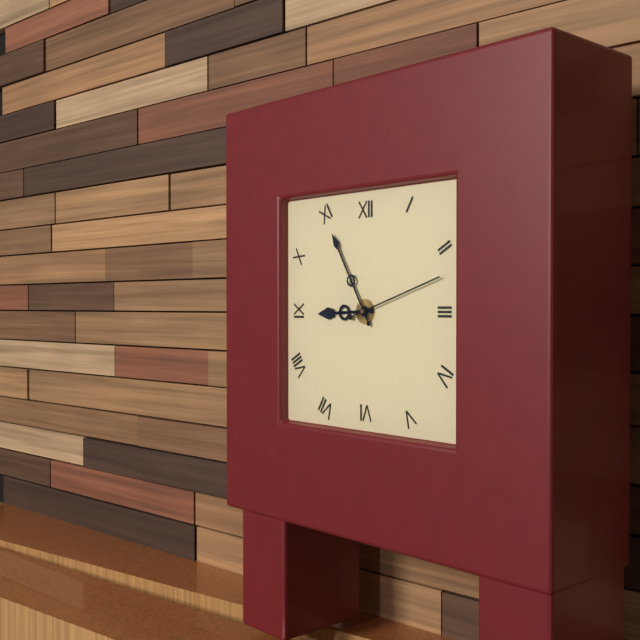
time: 8:55:12
